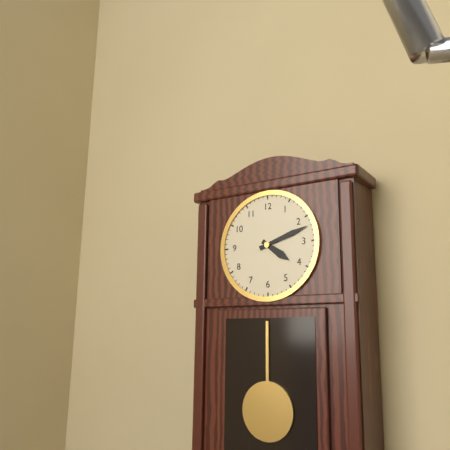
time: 4:12
